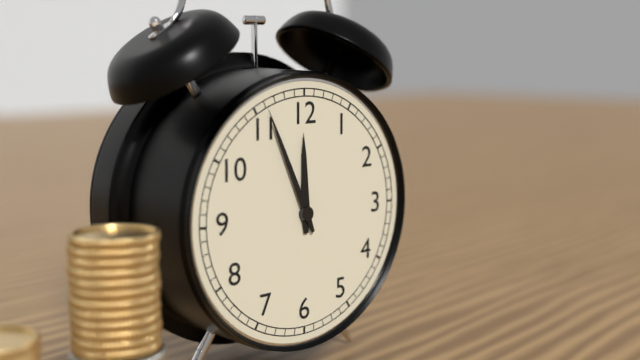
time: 11:56
